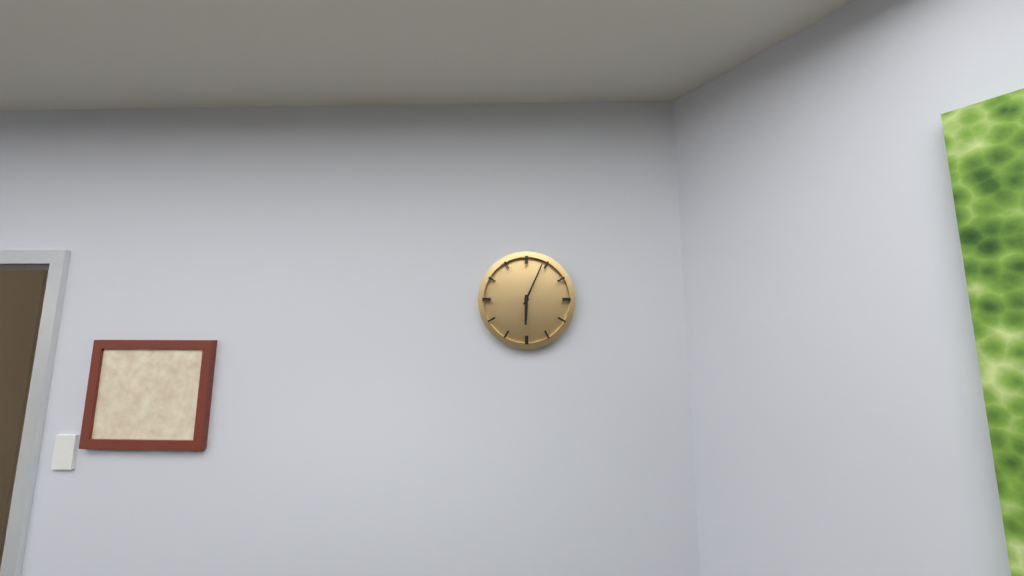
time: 6:04
